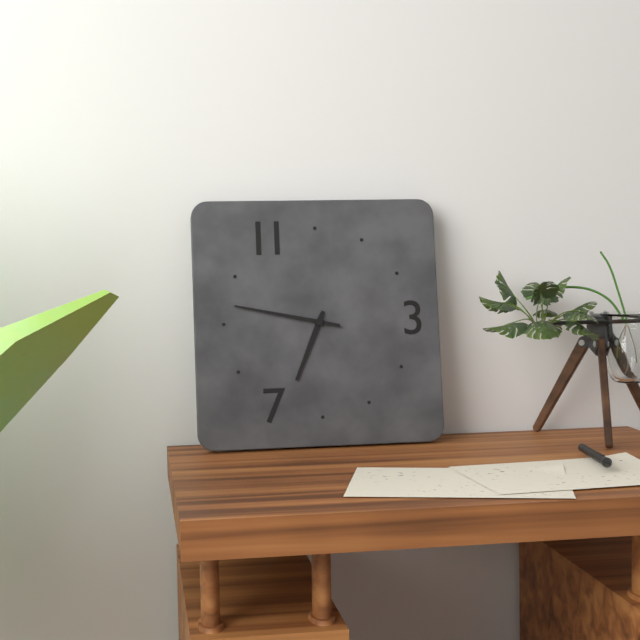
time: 6:47
